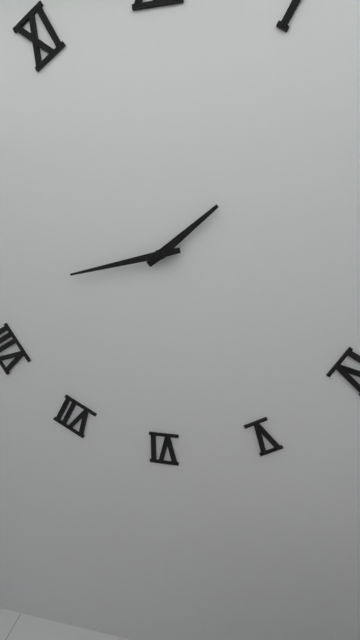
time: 1:43
